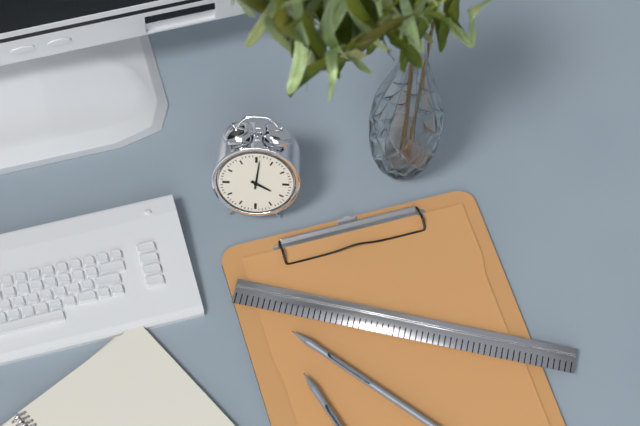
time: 4:01
